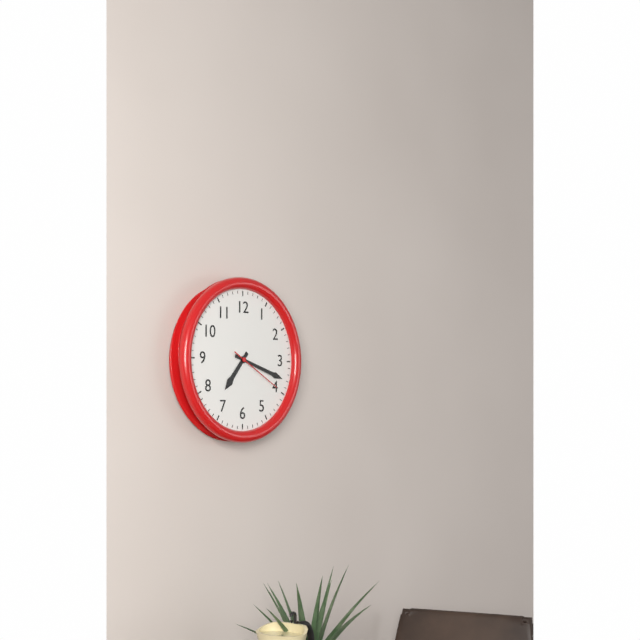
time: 7:18:20
